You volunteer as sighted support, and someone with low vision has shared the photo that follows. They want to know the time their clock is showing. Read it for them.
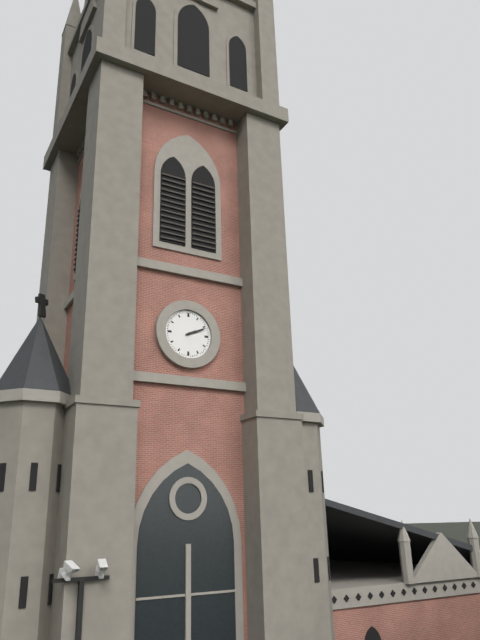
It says 2:11
